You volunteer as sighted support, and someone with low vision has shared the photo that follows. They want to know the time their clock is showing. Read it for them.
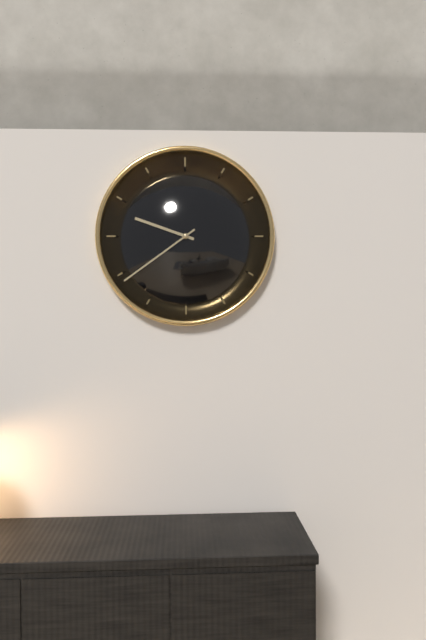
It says 9:39
